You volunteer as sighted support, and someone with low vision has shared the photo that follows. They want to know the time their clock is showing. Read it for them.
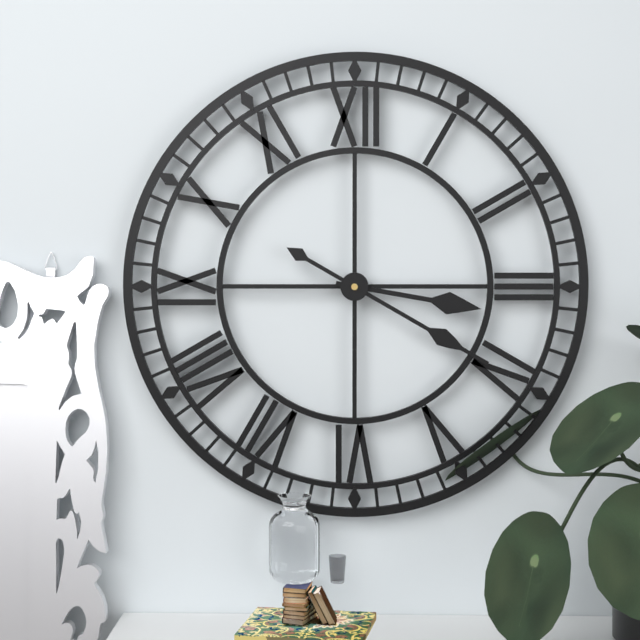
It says 3:20
